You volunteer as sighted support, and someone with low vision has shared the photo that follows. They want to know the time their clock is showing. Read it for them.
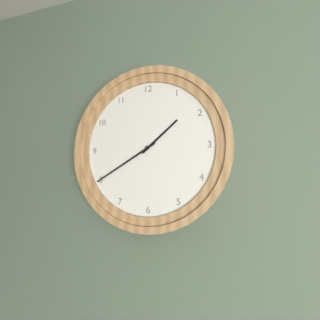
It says 1:40
